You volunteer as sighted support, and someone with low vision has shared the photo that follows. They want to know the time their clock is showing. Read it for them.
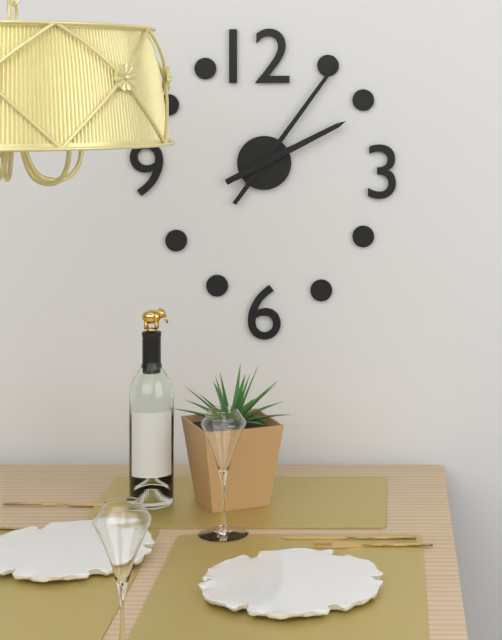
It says 2:06
